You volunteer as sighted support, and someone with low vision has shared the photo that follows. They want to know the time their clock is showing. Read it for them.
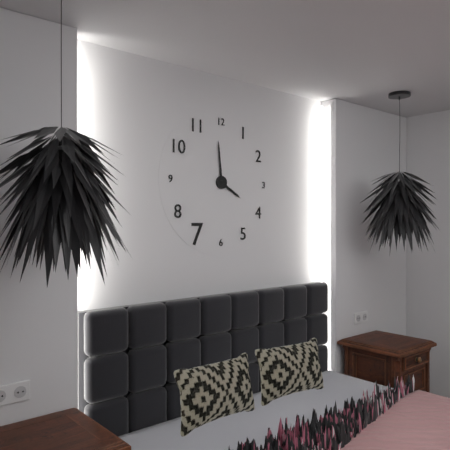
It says 3:59
